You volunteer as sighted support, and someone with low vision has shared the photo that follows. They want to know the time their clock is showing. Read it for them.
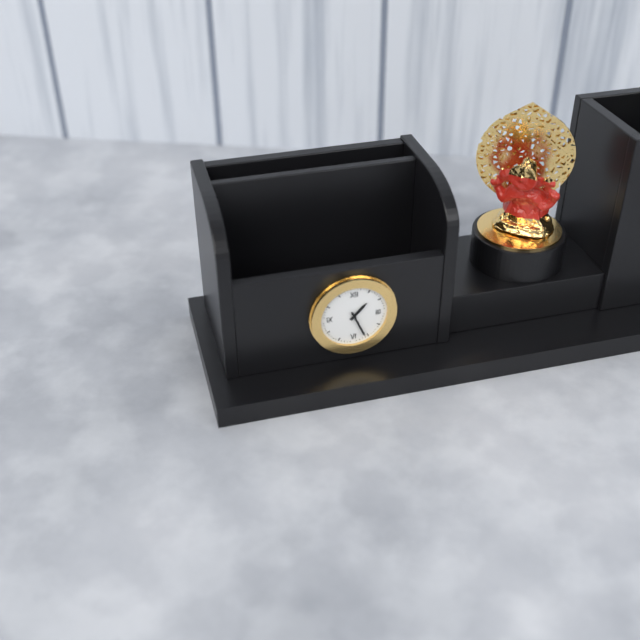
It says 1:26
